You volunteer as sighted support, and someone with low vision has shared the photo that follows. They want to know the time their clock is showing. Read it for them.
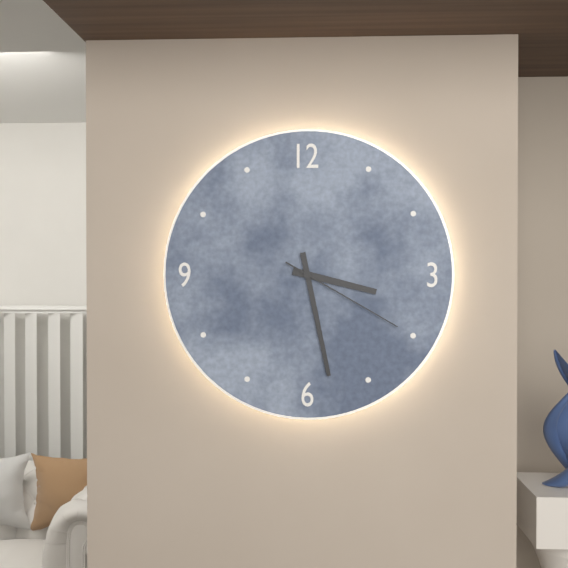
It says 3:28:20
